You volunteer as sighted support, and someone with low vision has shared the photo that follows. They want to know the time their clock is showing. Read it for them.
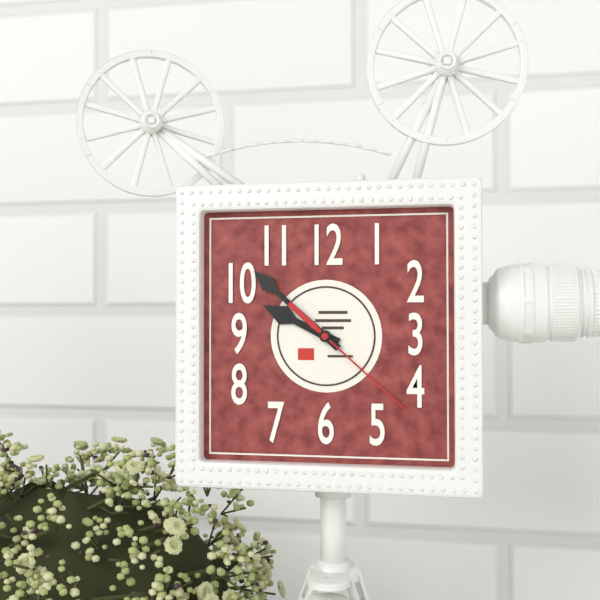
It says 9:52:22
